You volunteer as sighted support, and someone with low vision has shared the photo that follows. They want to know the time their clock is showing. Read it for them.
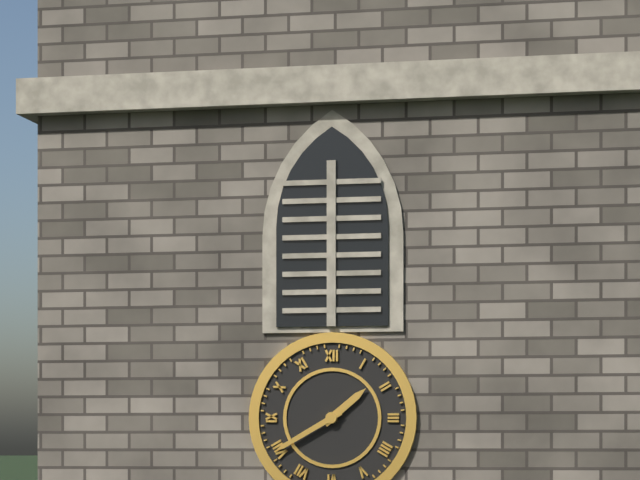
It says 1:40
